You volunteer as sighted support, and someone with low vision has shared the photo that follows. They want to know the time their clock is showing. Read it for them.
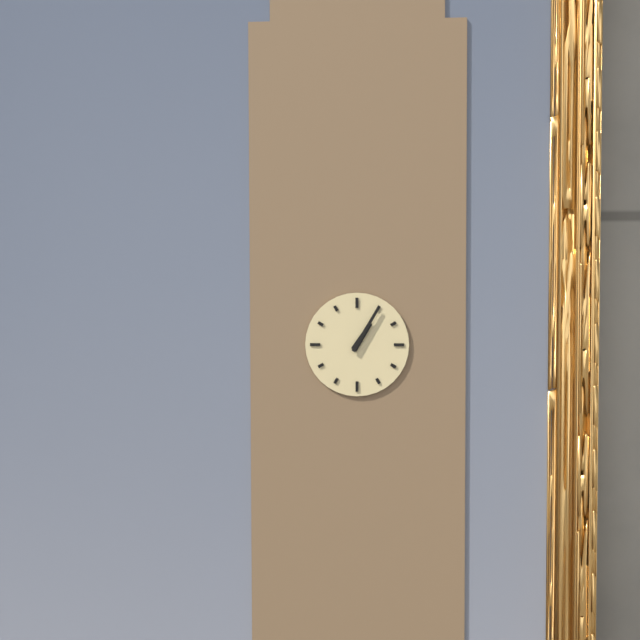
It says 1:05
